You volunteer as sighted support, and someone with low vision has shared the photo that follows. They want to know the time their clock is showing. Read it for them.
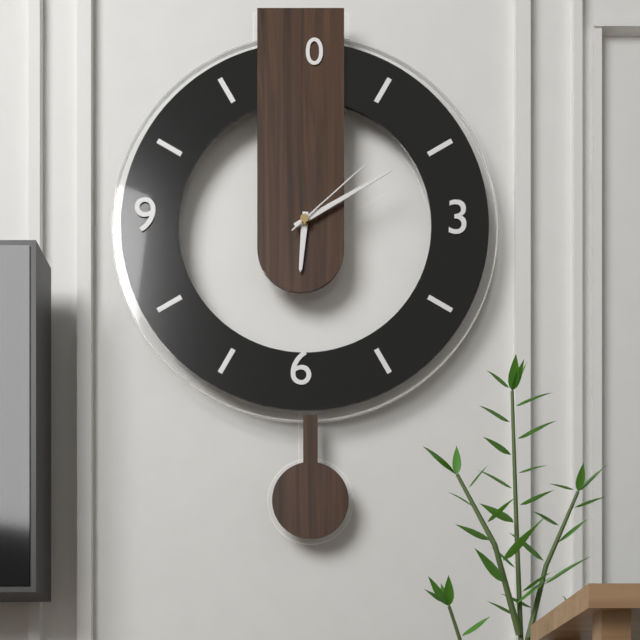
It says 6:10:08
